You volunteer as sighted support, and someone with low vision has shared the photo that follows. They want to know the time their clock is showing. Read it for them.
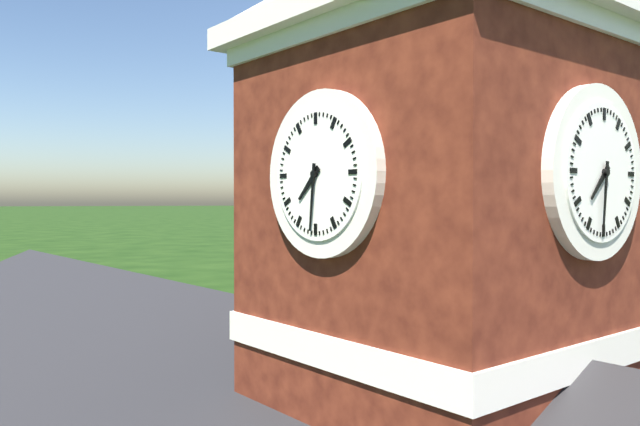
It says 7:31
